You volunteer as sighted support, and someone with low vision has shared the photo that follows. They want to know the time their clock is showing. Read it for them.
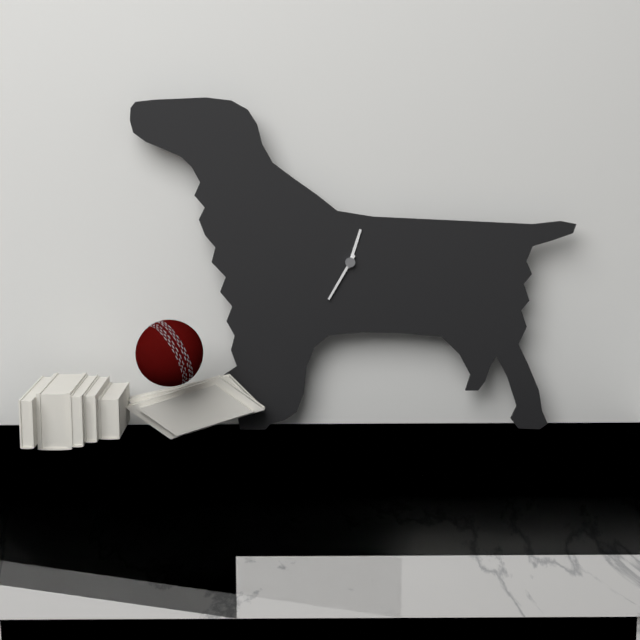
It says 12:35
